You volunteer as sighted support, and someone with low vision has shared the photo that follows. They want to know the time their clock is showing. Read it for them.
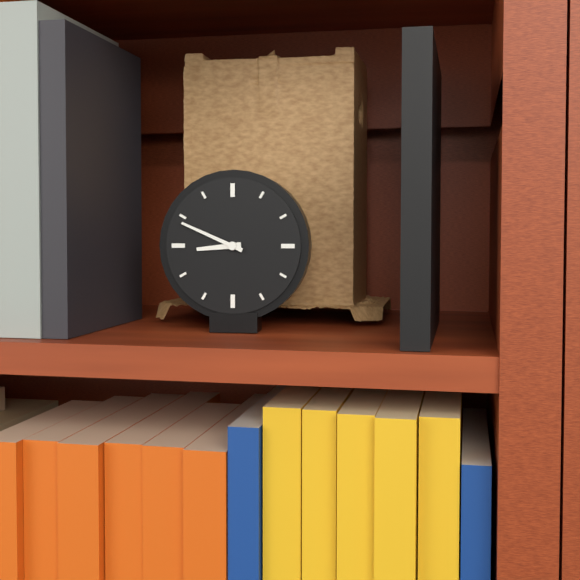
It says 8:49
